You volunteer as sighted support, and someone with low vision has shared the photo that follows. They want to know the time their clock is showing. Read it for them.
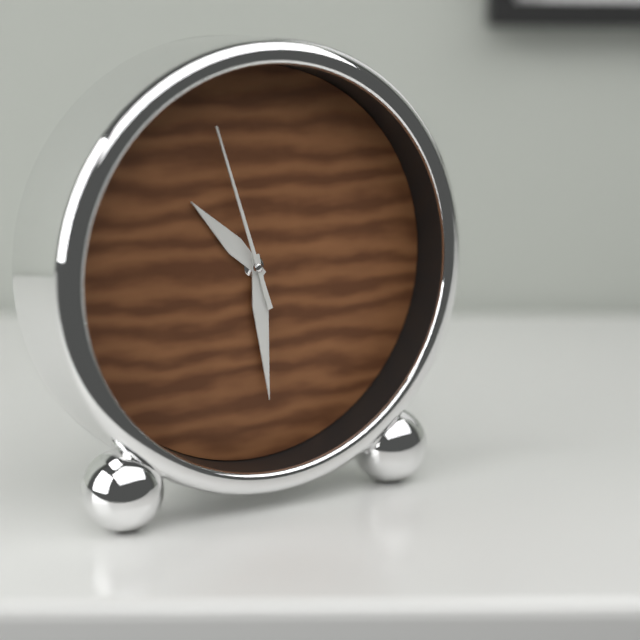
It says 10:29:57
